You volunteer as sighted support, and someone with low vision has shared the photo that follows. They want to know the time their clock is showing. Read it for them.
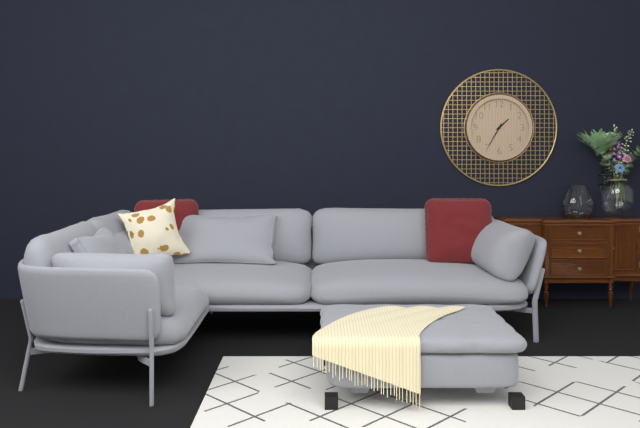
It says 1:35
